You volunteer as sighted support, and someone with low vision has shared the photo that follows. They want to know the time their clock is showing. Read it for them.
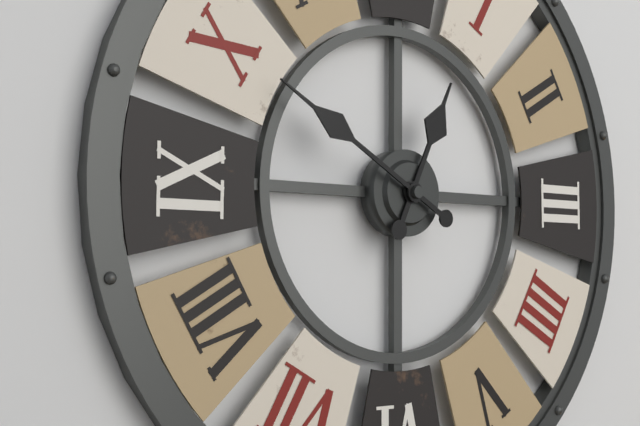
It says 12:50
